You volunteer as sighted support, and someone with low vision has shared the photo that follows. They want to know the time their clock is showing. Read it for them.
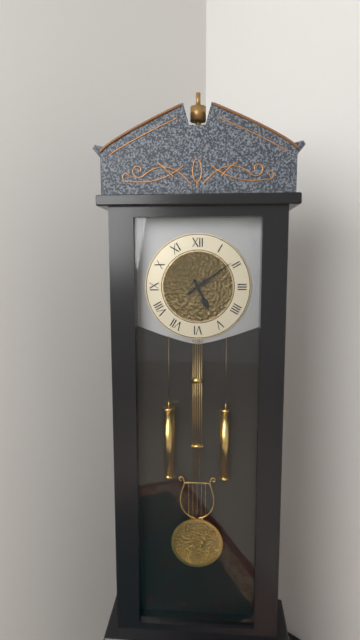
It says 5:09
